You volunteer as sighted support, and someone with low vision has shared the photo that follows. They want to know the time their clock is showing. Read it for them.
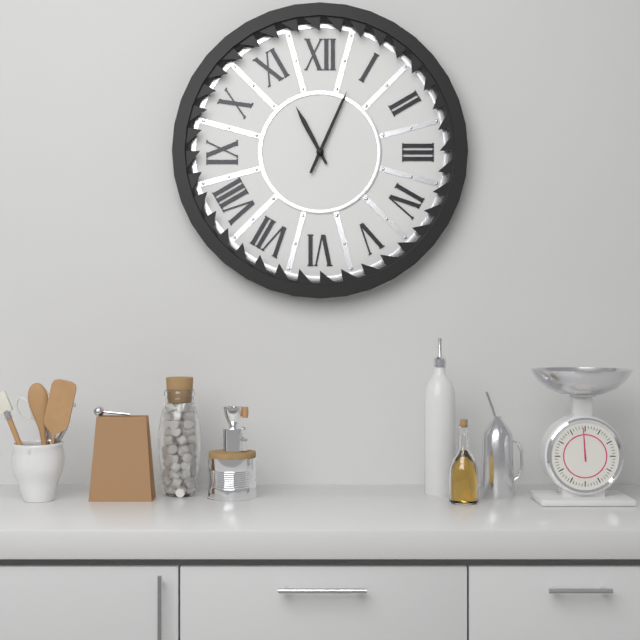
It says 11:04
